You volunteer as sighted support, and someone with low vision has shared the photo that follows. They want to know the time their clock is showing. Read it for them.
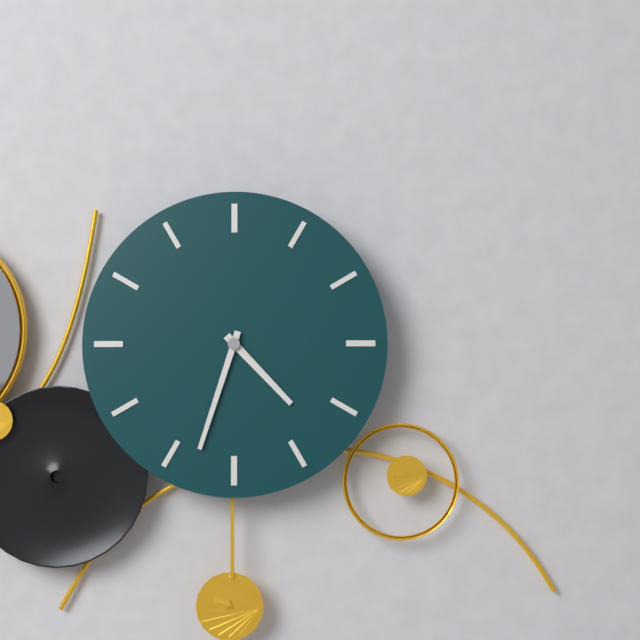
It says 4:33
